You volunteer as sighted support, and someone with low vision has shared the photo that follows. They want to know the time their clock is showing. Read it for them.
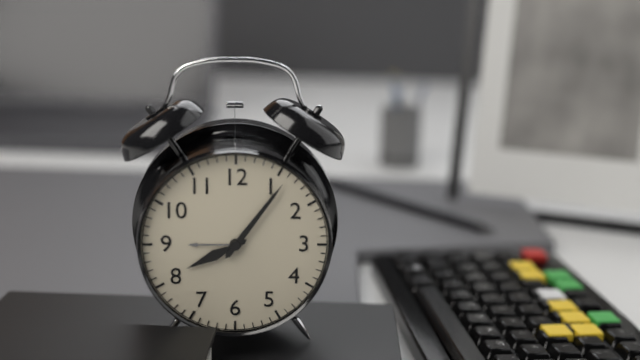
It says 8:06
